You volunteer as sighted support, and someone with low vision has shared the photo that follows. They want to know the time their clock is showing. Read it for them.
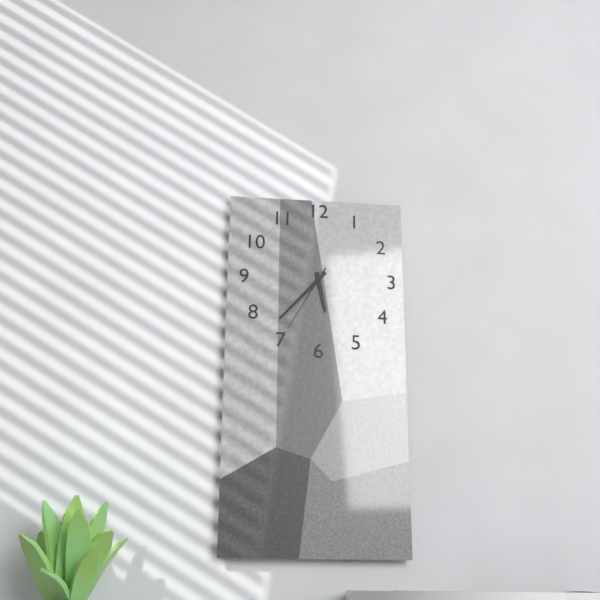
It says 5:37:35
